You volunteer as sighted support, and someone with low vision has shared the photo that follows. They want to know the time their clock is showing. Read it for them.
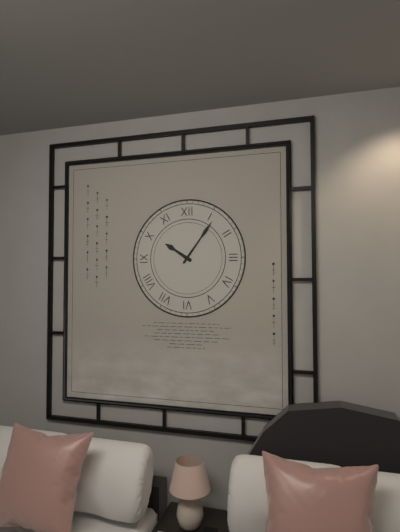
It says 10:06
